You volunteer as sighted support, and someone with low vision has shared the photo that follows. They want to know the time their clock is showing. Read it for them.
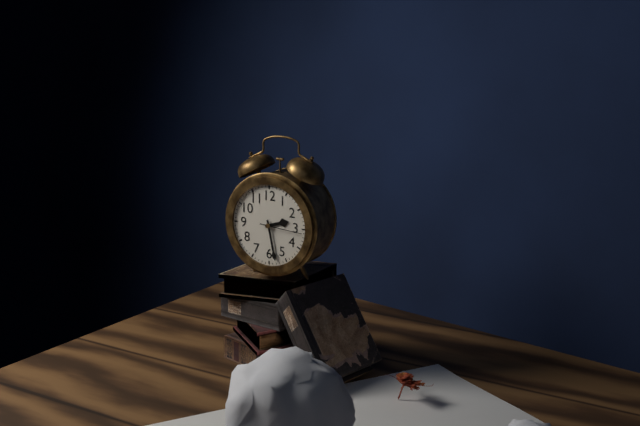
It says 2:28
